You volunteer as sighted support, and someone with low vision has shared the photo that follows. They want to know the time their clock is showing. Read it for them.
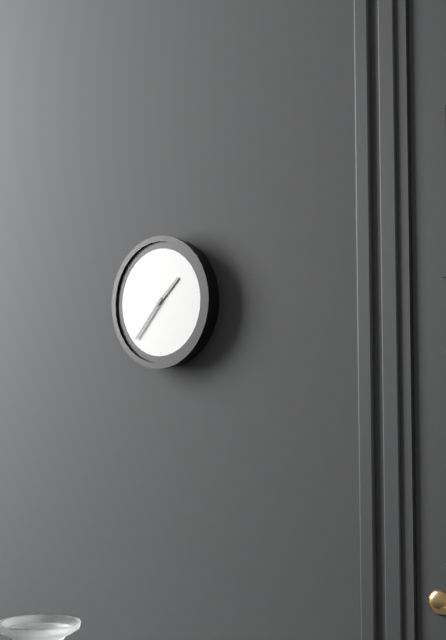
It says 1:37
